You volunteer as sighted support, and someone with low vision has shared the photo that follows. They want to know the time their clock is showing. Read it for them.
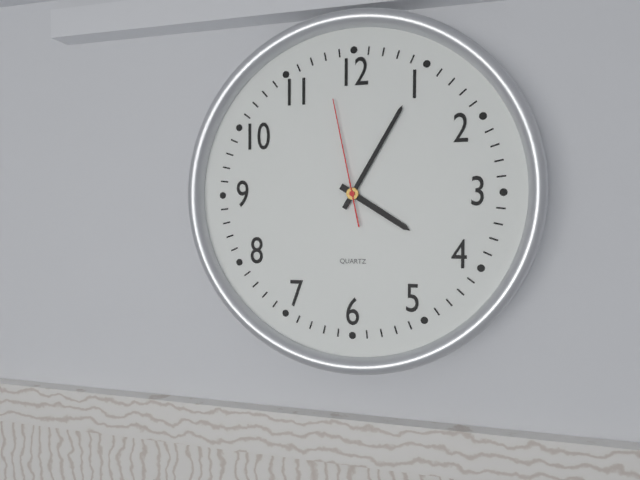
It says 4:05:58
